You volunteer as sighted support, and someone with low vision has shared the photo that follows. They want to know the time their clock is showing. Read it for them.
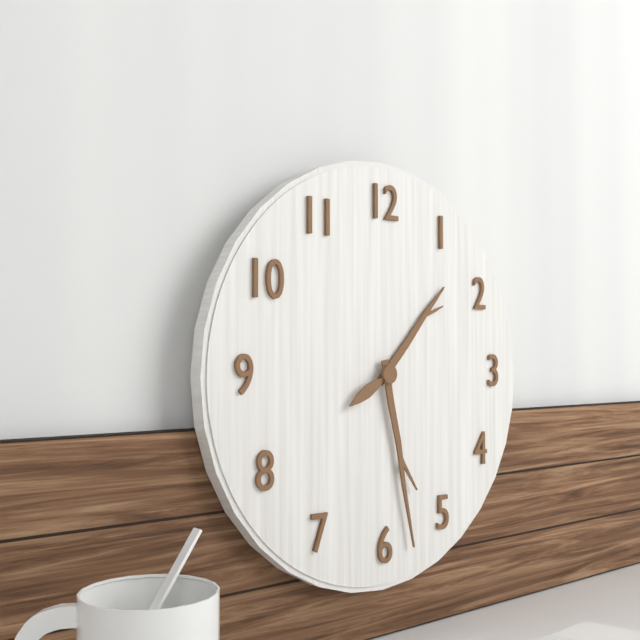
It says 1:28:40
